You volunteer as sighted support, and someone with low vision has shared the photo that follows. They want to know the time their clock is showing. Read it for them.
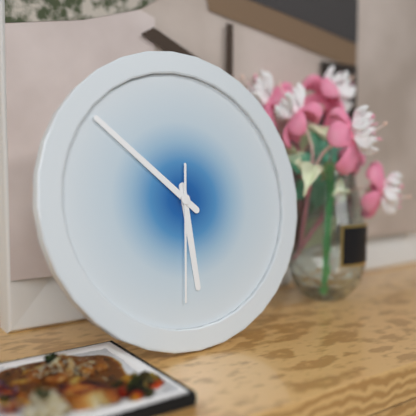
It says 5:52:31
